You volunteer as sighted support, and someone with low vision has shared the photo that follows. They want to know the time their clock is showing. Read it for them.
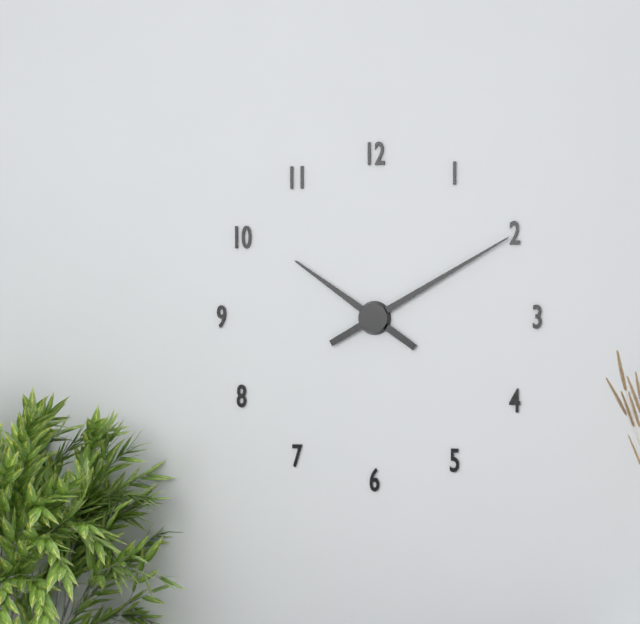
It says 10:10
